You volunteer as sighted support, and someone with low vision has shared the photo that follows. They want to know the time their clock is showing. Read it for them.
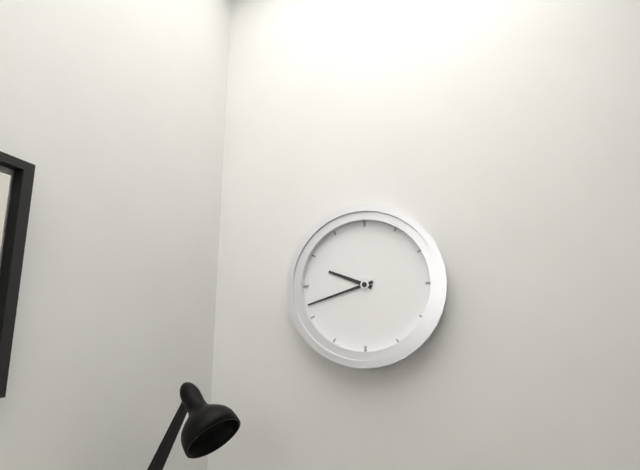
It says 9:42
